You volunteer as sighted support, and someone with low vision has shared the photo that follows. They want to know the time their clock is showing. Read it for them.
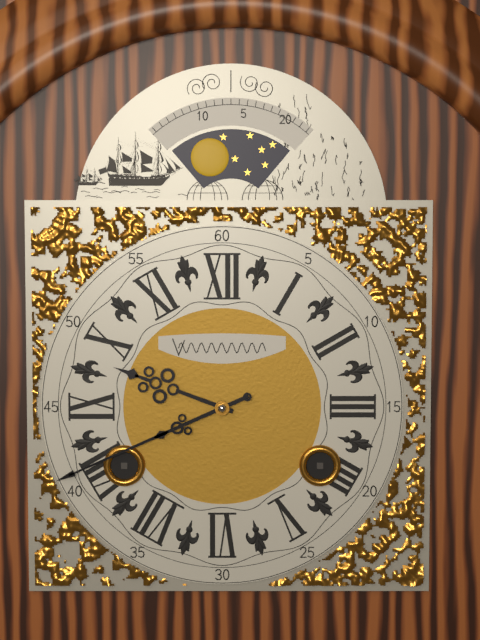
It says 9:41
